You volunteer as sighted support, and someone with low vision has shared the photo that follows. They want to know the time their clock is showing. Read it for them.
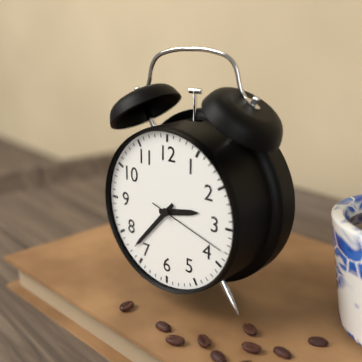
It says 2:37:18
